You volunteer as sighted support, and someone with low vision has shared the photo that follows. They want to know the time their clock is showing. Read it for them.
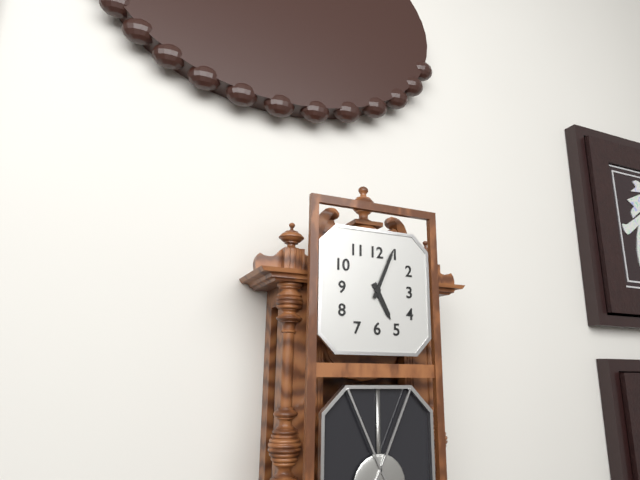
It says 5:04
